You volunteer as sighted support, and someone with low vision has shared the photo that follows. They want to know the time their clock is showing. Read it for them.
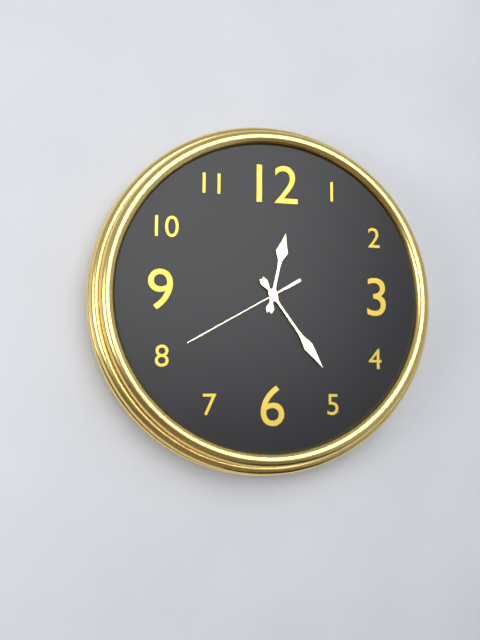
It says 12:24:40
